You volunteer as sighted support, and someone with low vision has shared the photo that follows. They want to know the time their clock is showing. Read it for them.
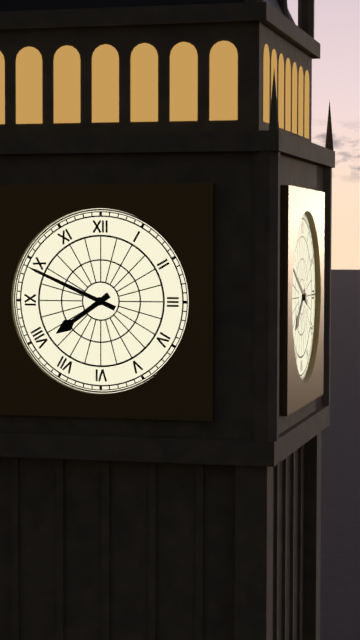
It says 7:49
